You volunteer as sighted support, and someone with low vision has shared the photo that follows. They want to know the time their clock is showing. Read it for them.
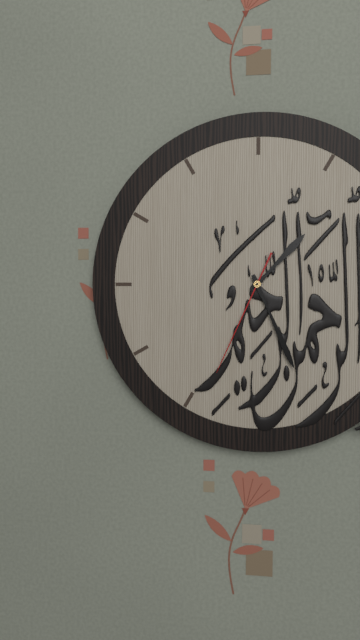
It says 1:26:34
